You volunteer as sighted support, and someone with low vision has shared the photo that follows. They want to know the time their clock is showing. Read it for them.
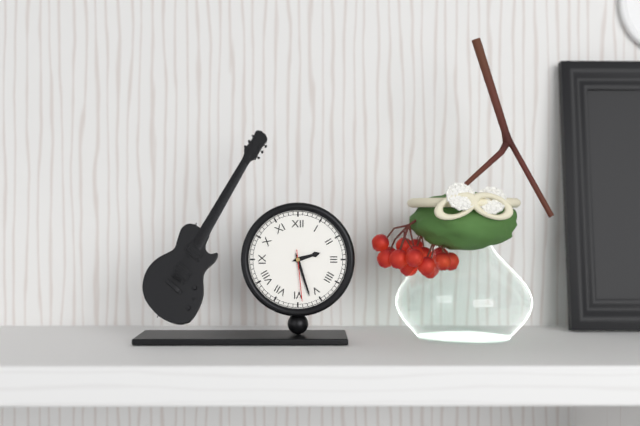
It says 2:27:29
